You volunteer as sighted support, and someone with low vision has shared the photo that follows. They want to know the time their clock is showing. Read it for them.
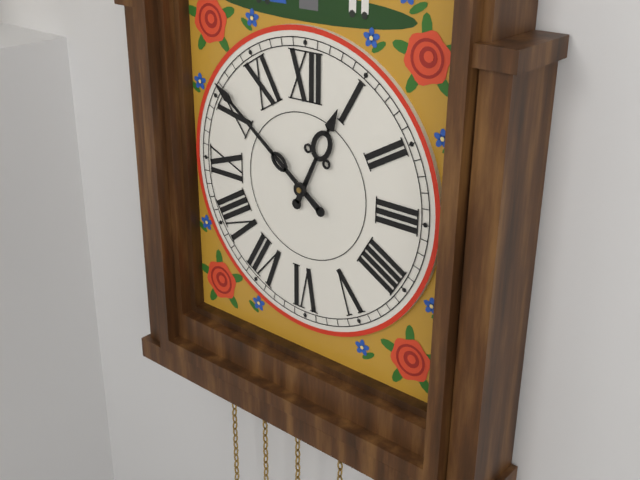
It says 12:51
